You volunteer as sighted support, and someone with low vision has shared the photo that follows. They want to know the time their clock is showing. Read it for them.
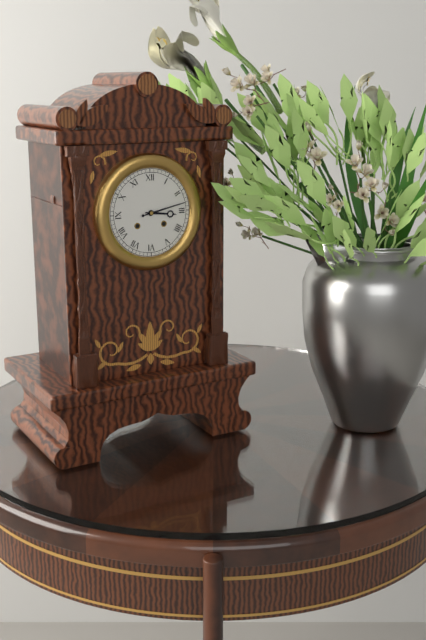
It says 3:13
